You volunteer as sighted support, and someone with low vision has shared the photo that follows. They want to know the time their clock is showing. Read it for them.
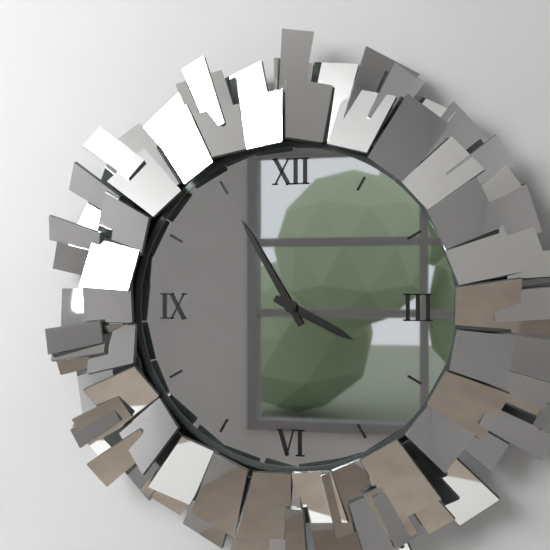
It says 3:55
